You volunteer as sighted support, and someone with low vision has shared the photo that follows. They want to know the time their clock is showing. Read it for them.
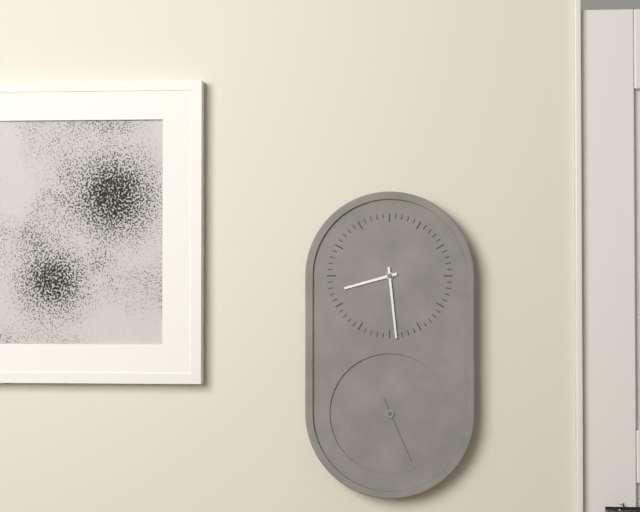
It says 8:29:26
